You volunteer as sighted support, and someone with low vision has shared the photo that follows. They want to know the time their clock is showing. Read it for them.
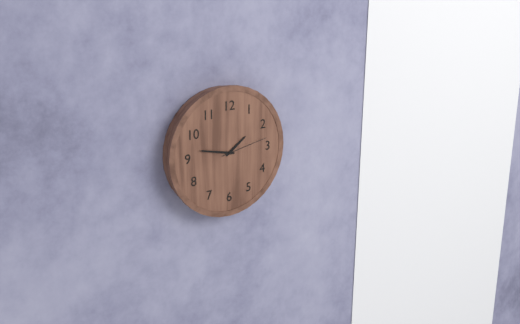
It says 1:47
